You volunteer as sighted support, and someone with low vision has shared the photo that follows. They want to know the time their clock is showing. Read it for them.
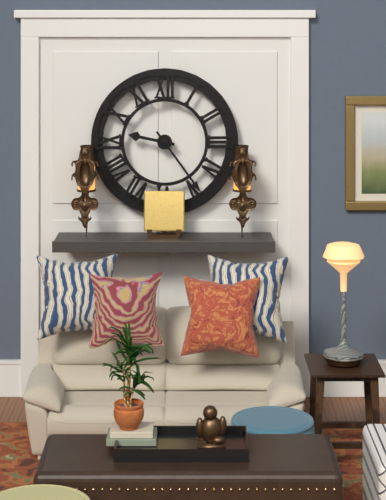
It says 9:24
